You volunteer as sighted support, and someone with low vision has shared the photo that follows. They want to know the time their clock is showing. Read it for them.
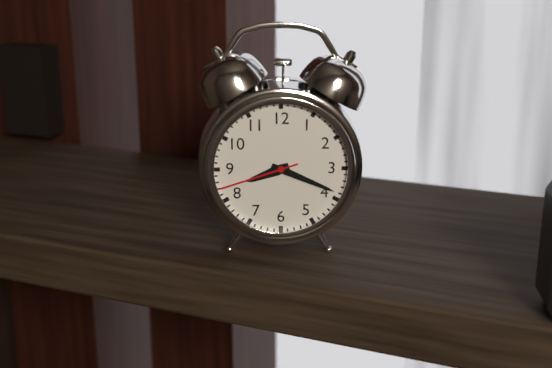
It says 8:19:42
